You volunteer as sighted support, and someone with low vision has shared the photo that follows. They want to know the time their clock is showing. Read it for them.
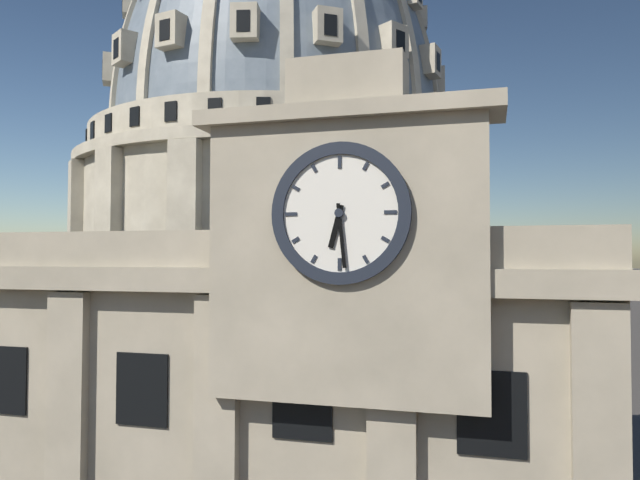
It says 6:29
